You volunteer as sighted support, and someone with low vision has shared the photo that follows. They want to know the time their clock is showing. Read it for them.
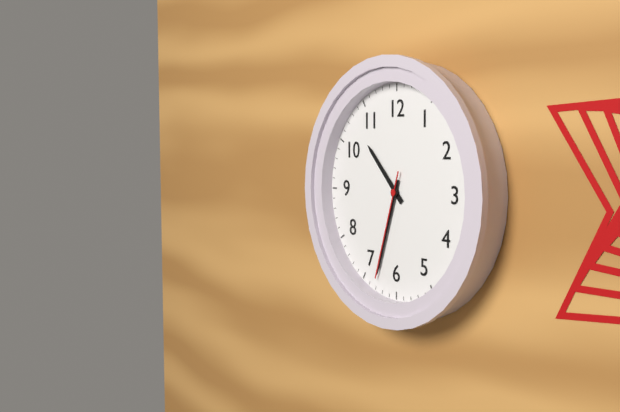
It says 10:33:33
